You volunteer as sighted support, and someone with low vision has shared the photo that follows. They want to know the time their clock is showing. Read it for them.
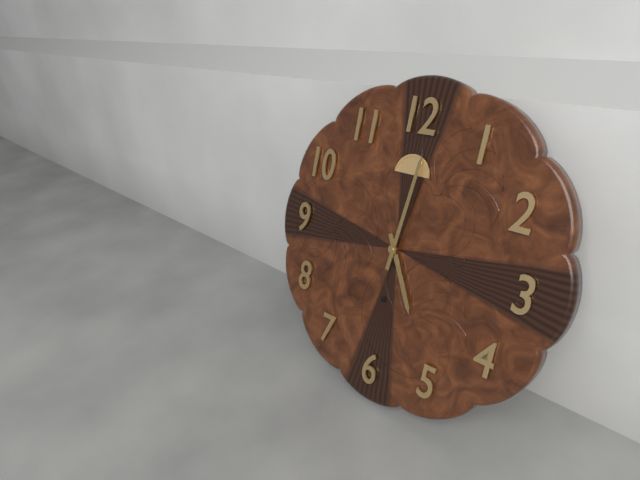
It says 5:01
